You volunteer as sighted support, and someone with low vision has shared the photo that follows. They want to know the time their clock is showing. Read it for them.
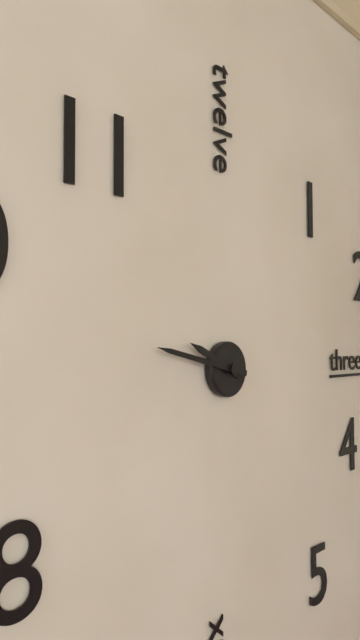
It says 9:47
